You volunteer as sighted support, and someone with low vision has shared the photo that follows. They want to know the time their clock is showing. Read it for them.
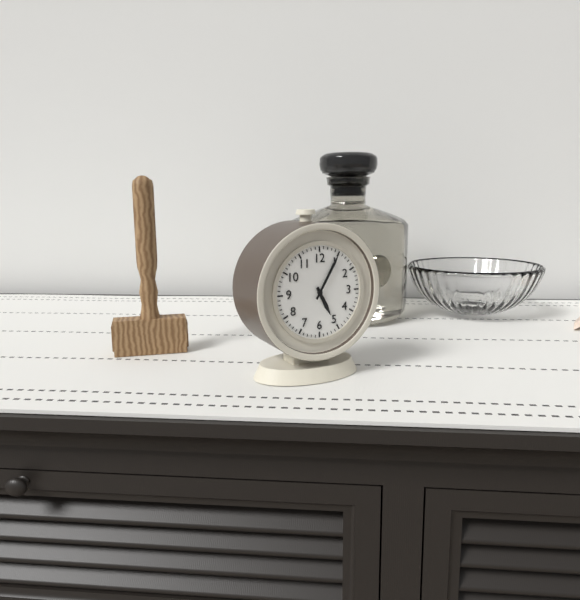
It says 5:05
